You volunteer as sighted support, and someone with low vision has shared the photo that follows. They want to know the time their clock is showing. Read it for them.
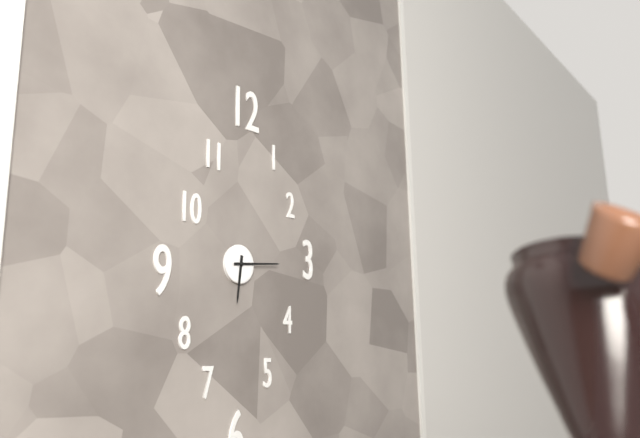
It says 6:14
